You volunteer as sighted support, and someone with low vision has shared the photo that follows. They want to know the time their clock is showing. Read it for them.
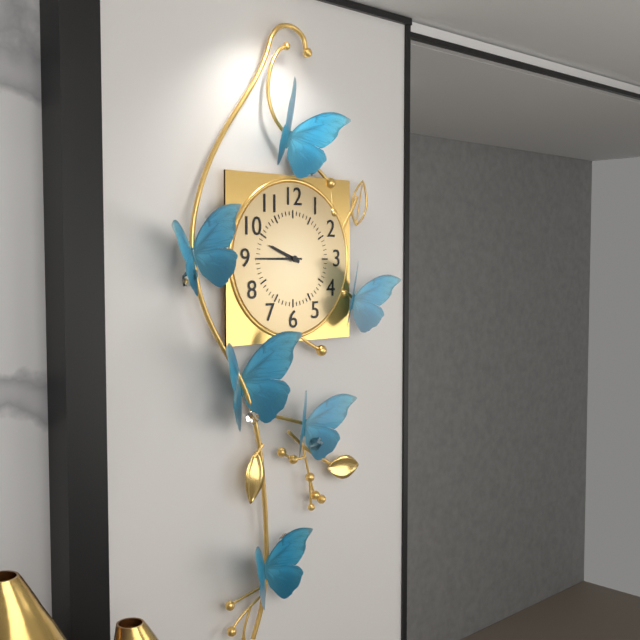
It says 9:45
